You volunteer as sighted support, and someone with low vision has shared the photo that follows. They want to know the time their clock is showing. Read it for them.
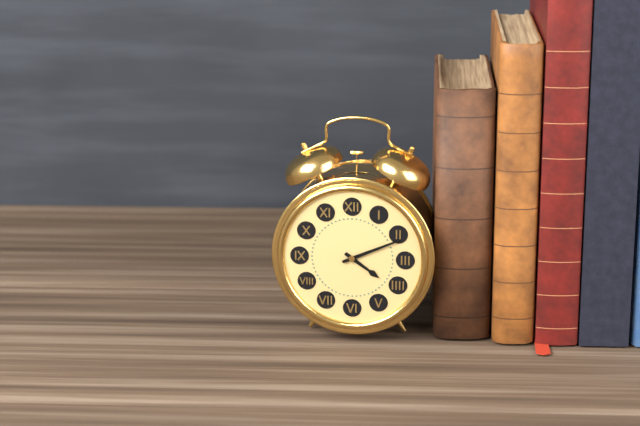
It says 4:11
